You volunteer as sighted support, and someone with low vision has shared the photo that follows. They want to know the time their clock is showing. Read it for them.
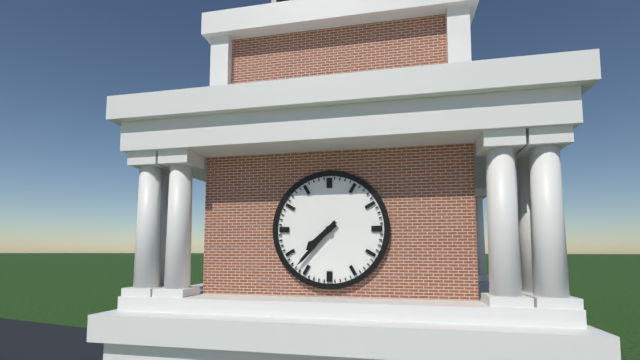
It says 7:37
